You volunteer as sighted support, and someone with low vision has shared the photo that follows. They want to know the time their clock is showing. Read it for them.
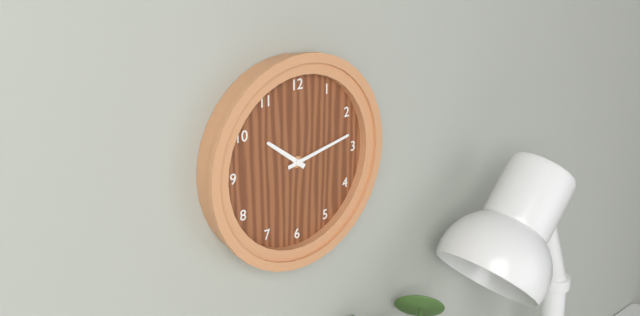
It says 10:13
